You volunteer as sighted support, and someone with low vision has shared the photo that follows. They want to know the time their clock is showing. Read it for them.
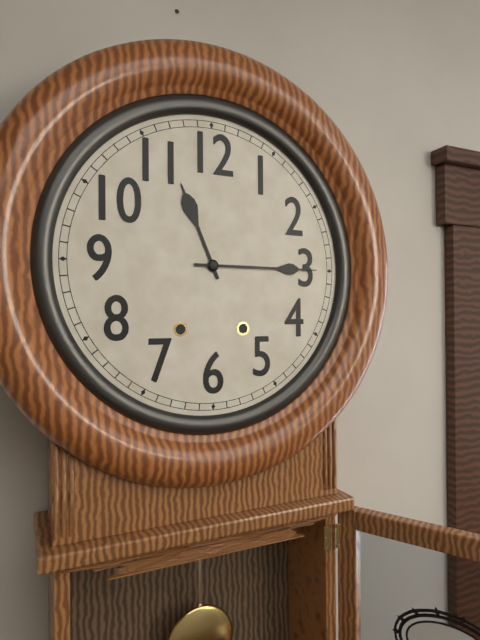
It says 11:15
